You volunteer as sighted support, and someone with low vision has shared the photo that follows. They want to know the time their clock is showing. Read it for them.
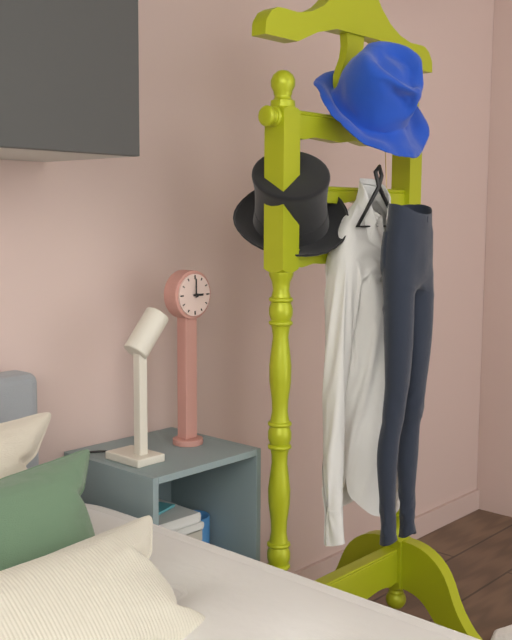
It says 3:00
